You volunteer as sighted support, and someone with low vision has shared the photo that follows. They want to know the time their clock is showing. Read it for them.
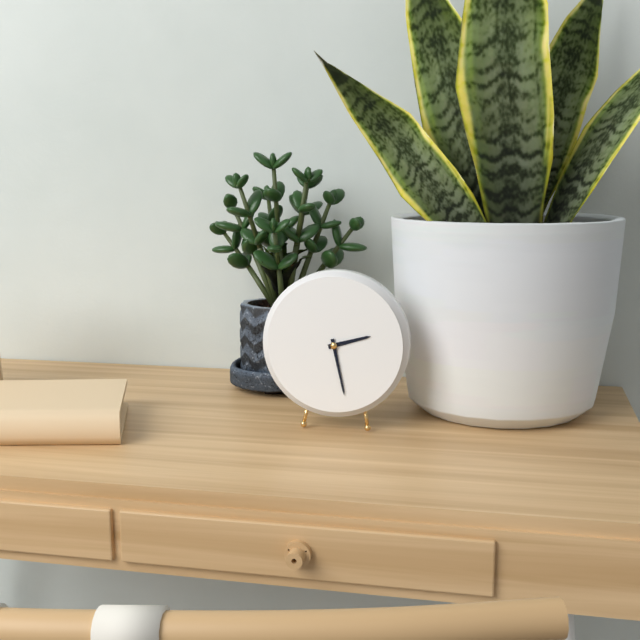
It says 2:28
